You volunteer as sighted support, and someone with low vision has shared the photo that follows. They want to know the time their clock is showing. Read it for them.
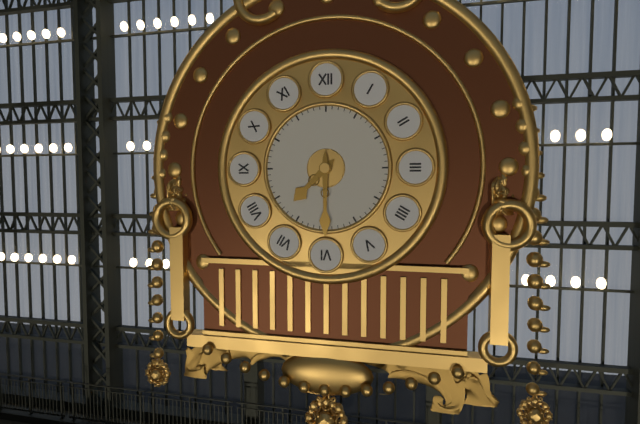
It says 7:30
